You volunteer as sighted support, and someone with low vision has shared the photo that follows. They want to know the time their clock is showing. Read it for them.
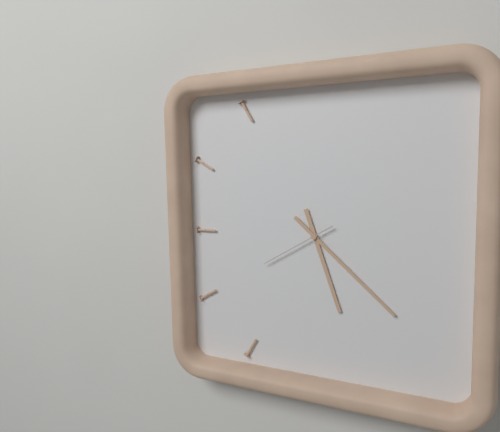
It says 5:22:40
